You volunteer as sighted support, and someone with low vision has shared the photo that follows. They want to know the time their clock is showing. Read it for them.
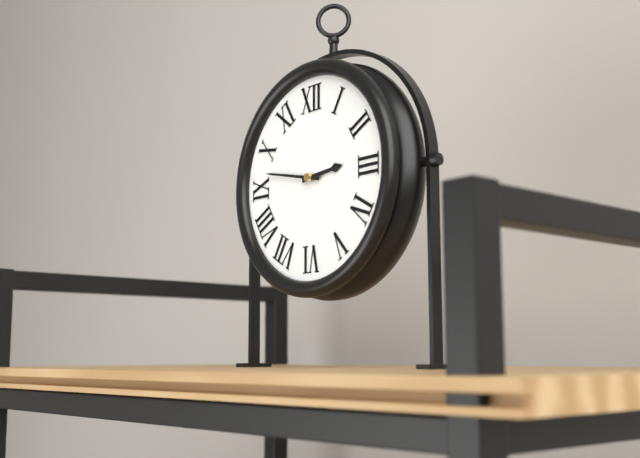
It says 2:47
